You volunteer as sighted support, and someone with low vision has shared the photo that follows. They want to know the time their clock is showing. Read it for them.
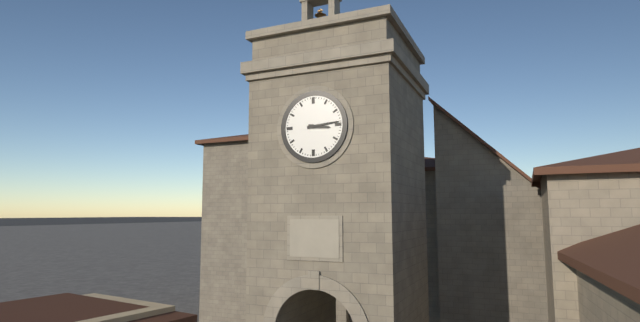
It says 3:14
